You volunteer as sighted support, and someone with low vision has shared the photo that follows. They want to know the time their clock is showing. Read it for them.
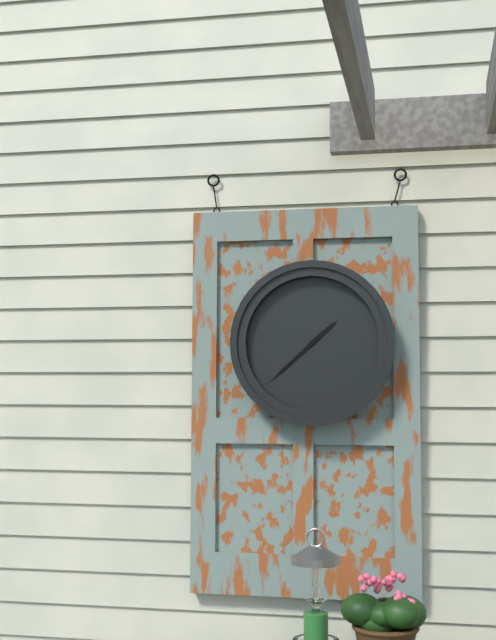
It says 1:38
